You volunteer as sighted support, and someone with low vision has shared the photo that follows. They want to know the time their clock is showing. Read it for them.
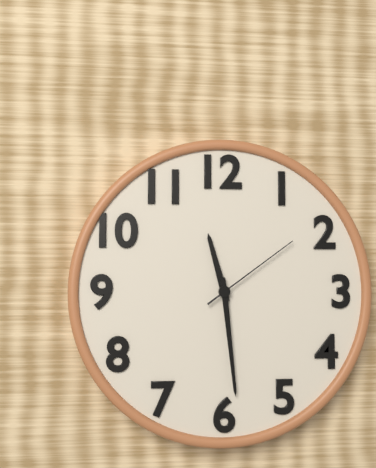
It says 11:29:09
